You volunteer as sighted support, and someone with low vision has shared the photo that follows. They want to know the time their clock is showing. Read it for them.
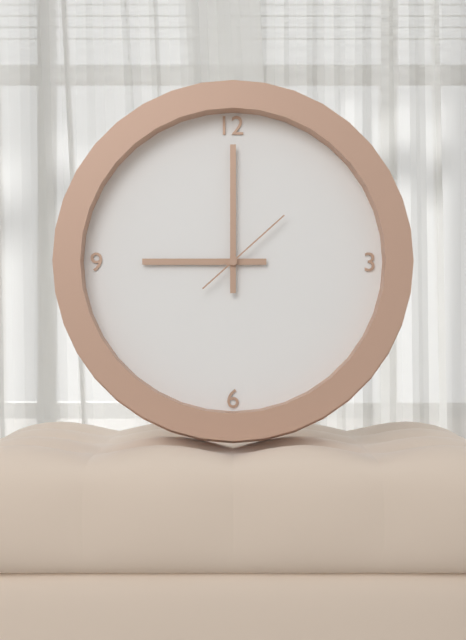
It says 9:00:08
